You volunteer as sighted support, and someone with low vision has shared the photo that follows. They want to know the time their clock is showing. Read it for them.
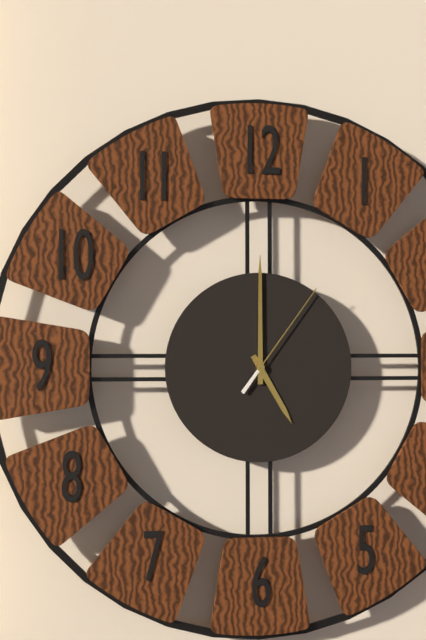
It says 5:00:06
